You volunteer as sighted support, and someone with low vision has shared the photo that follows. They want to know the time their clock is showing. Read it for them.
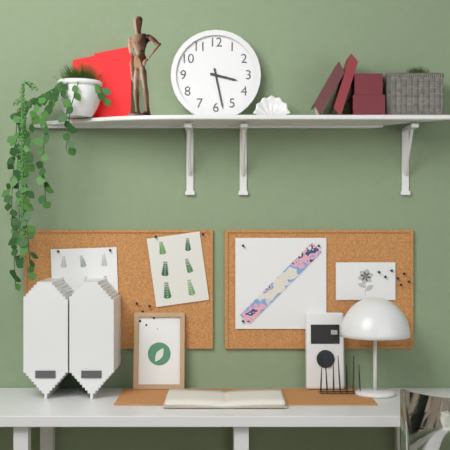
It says 3:28
